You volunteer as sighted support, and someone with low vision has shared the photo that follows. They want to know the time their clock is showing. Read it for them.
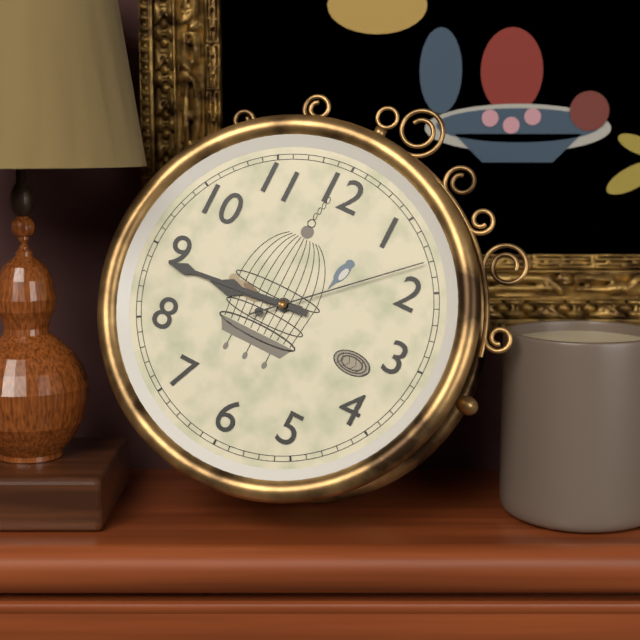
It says 8:44:08
